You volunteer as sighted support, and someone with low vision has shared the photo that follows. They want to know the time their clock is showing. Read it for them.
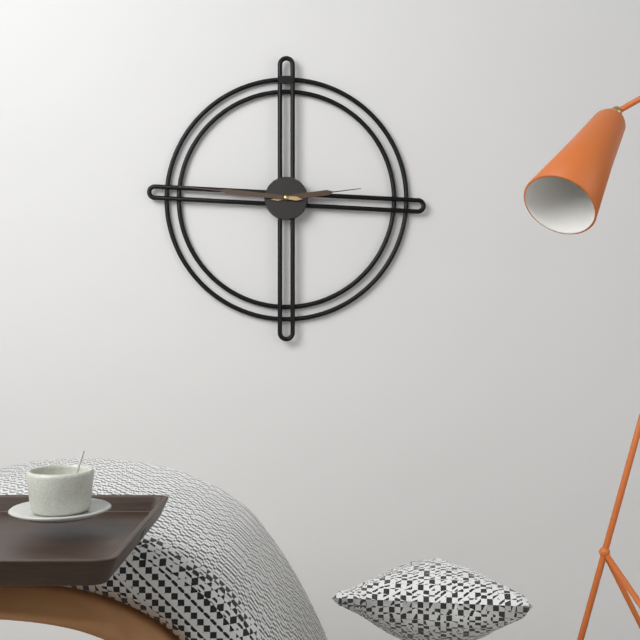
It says 2:46
